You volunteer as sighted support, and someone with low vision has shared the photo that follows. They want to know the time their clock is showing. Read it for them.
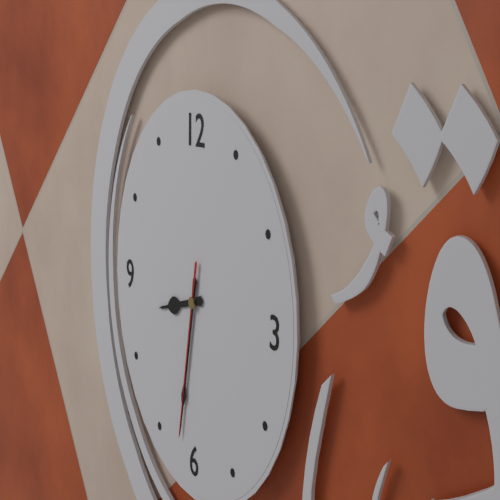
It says 8:32:32
